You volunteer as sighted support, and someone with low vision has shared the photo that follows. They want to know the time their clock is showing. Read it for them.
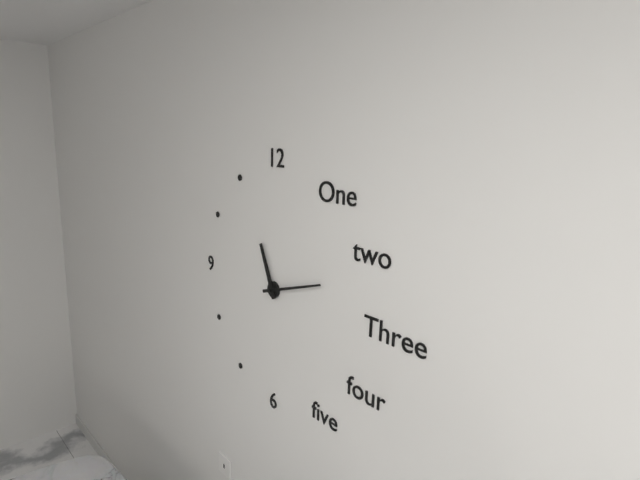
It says 11:12
